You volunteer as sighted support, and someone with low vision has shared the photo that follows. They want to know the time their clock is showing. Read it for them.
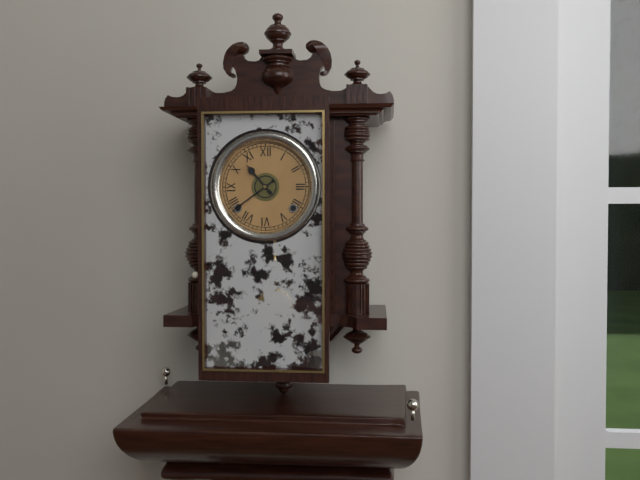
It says 10:39
